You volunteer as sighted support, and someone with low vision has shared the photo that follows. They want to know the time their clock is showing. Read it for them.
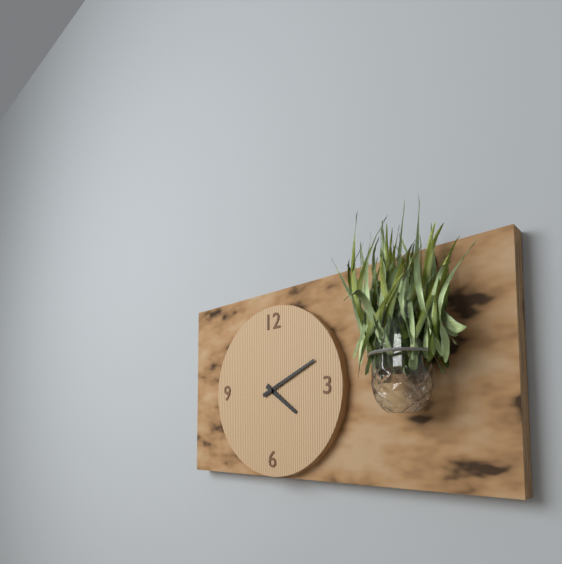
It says 4:11
